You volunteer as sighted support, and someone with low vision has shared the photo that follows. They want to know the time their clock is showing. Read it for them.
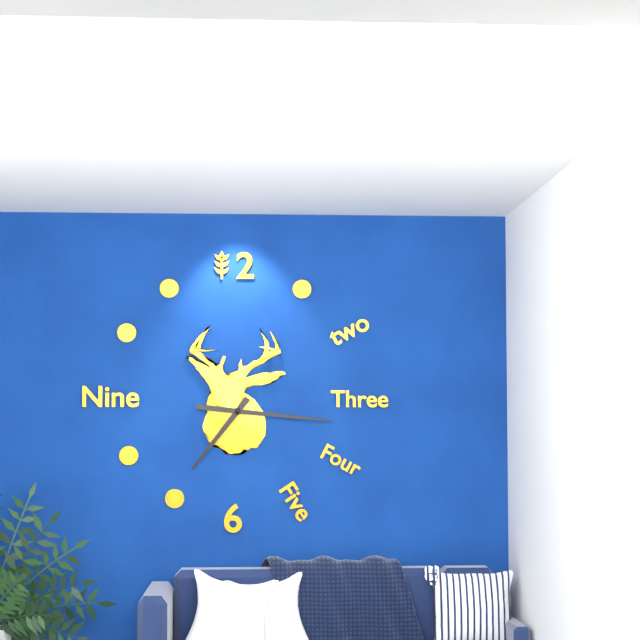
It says 7:16
